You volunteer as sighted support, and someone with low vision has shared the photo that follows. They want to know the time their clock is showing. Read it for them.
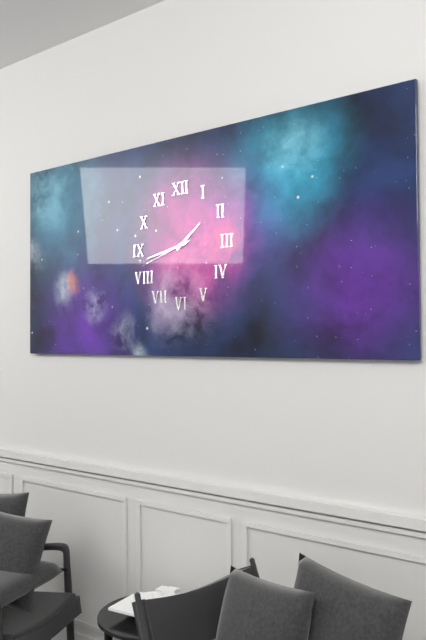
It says 1:43:42
